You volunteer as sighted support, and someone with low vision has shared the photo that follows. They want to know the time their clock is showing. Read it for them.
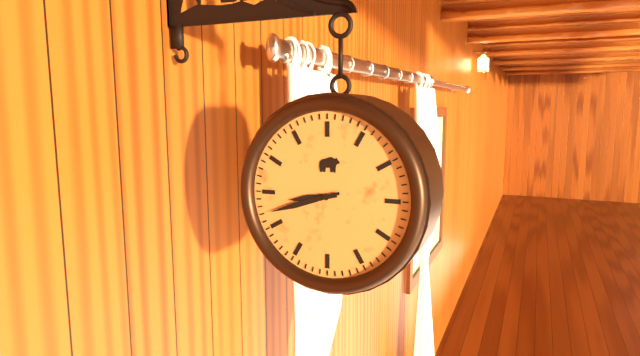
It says 8:42
